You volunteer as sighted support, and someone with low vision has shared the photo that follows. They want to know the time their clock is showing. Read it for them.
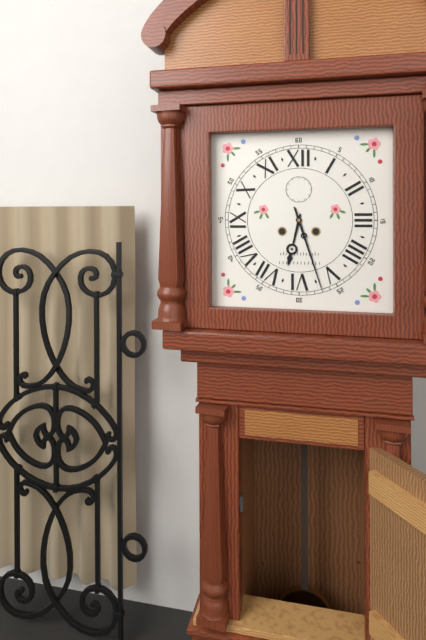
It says 6:27
